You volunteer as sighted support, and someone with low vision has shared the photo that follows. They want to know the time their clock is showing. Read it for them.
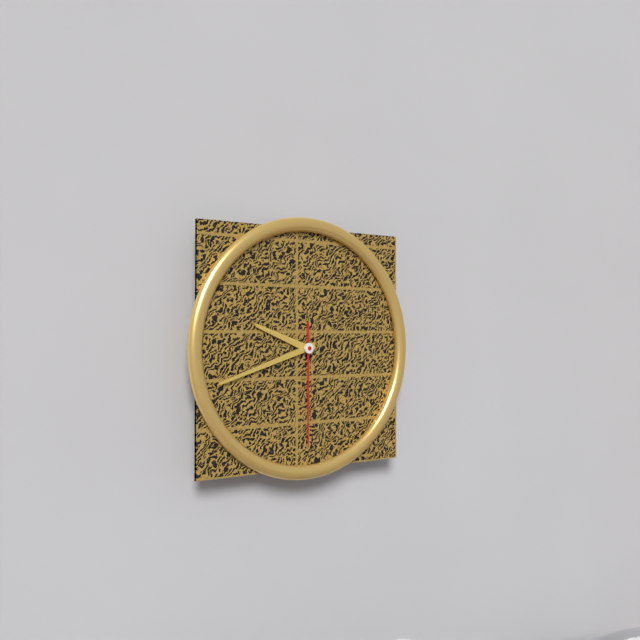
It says 9:42:30
